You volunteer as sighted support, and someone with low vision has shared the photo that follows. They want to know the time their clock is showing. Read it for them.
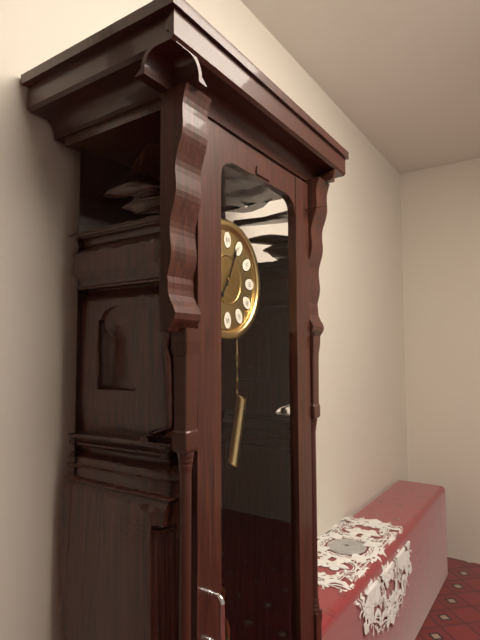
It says 7:04
